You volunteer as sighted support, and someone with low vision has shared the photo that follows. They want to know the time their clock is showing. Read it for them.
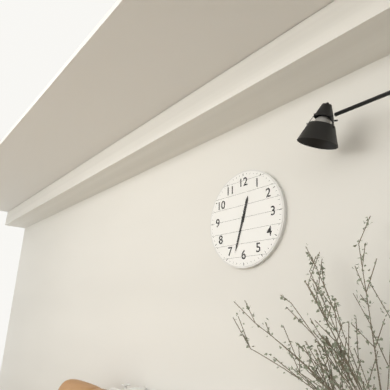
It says 12:33
